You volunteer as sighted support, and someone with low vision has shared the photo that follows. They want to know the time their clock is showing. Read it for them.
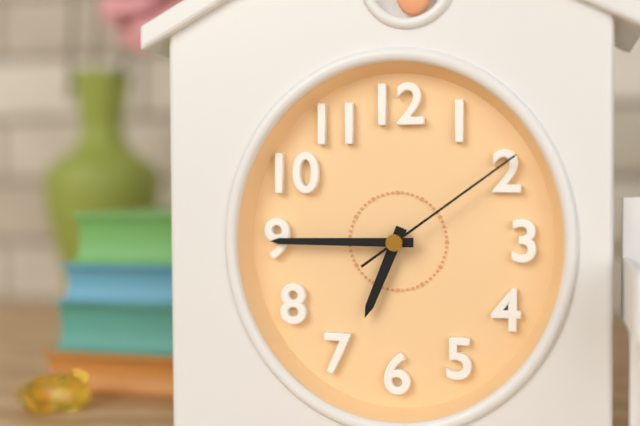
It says 6:45:09
